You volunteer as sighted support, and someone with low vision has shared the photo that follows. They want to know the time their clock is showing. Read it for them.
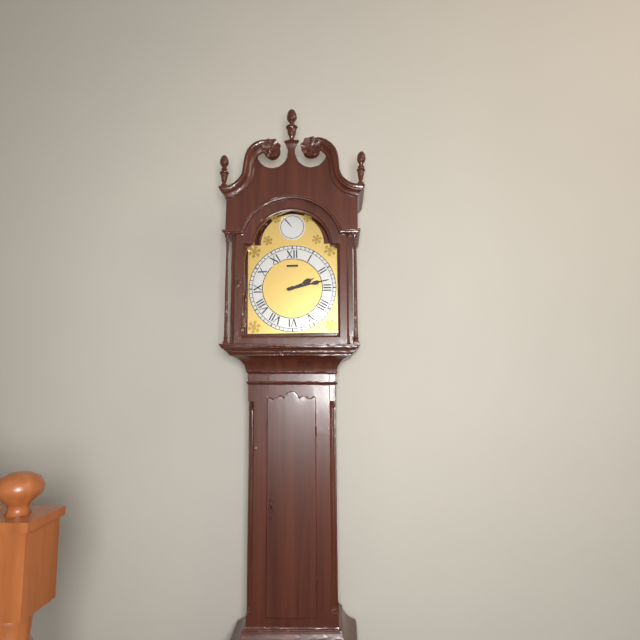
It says 2:13
